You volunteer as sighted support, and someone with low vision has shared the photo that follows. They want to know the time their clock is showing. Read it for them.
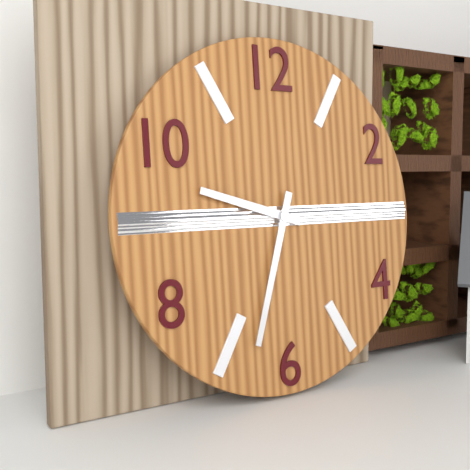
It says 9:33
